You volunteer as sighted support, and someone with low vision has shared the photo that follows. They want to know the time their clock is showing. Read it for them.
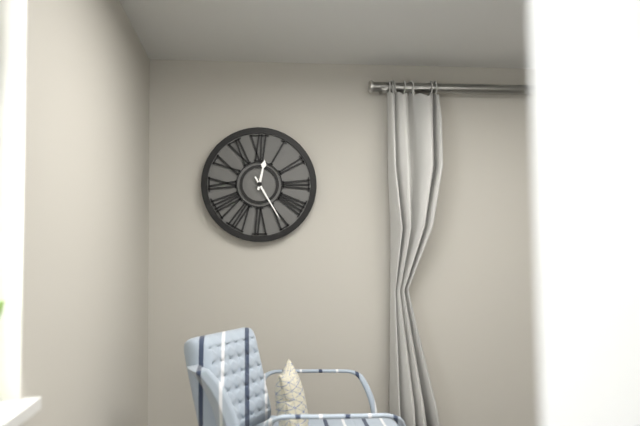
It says 12:25
